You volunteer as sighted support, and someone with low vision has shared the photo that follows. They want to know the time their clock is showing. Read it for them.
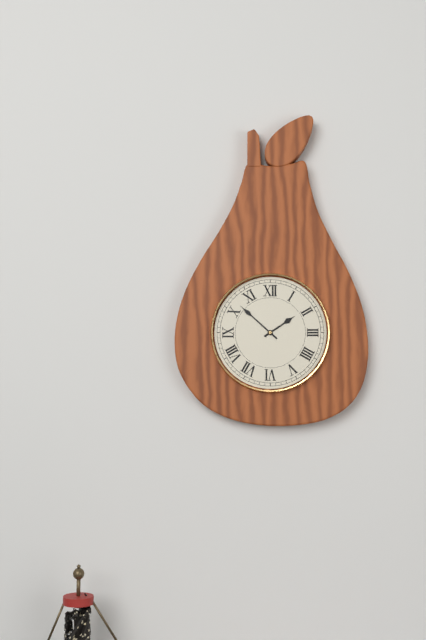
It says 1:52
